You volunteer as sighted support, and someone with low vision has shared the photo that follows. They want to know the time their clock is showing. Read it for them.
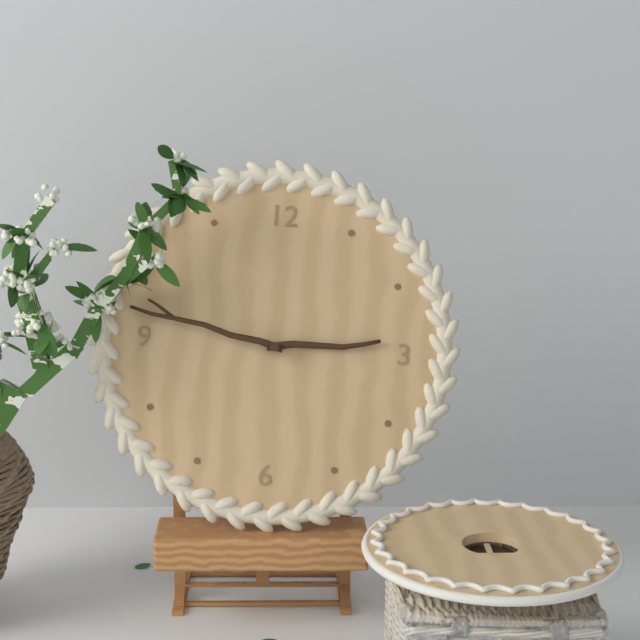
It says 2:47
